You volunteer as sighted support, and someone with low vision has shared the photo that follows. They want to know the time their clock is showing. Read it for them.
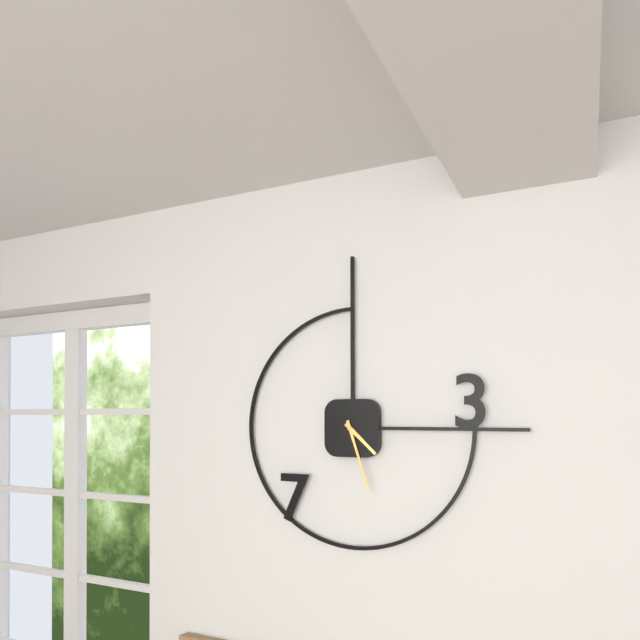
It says 4:27
